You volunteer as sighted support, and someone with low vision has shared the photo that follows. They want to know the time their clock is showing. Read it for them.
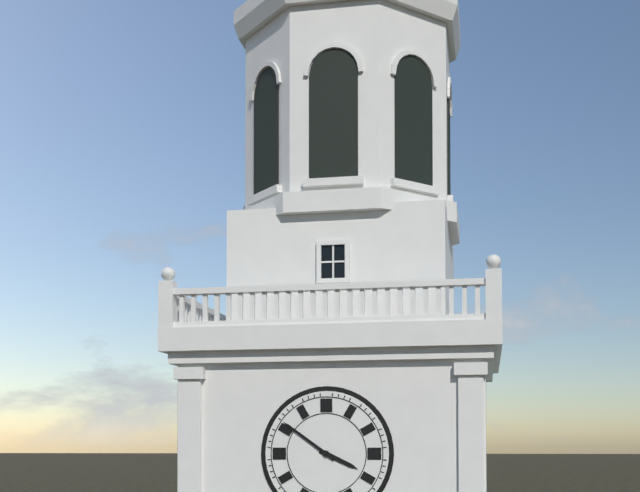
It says 3:51
